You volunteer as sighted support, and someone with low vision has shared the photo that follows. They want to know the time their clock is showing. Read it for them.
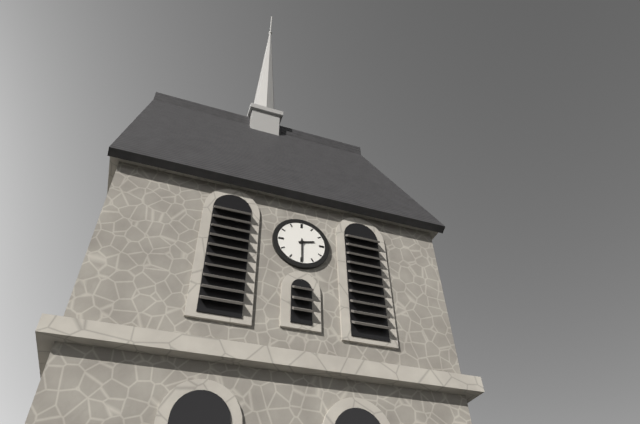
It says 2:30
